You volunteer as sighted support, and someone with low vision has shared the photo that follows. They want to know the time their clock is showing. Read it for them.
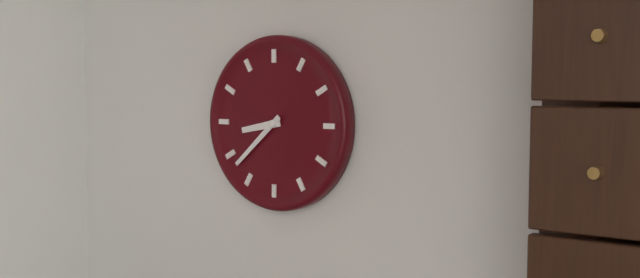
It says 8:38
